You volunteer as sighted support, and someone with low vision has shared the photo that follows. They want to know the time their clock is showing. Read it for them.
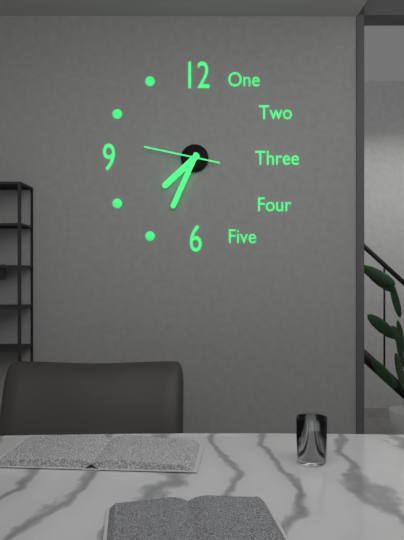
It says 7:34:47
